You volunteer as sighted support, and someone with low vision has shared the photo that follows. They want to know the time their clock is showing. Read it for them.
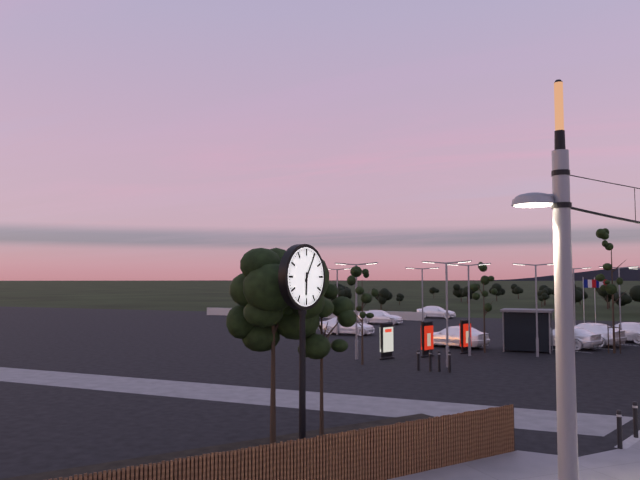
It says 6:05
